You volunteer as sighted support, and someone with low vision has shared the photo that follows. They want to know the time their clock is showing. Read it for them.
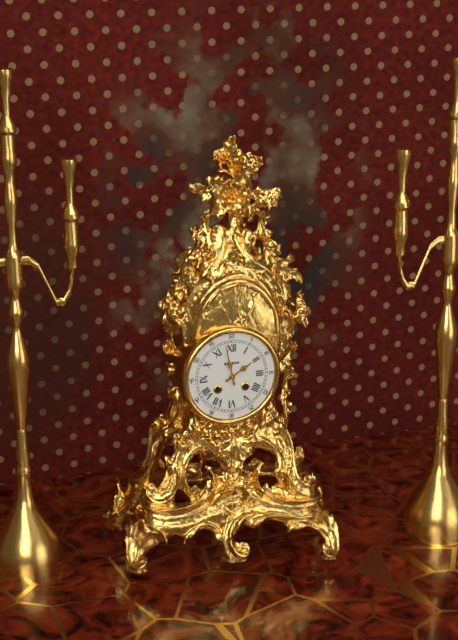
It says 1:58
